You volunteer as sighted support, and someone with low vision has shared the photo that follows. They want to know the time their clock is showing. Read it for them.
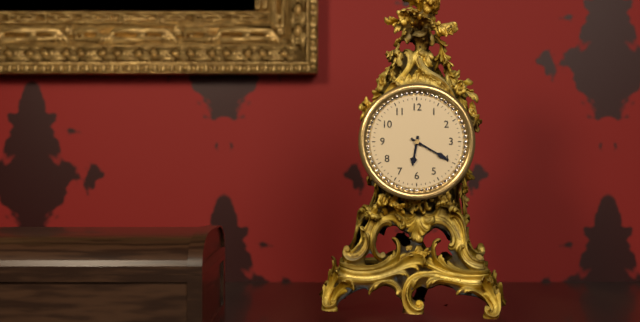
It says 6:20
